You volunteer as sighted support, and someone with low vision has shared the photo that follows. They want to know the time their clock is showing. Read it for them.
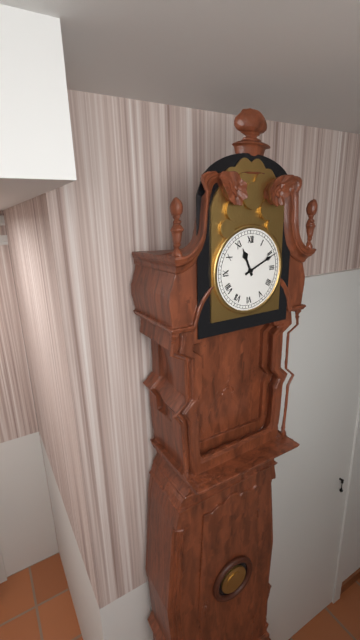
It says 11:11
